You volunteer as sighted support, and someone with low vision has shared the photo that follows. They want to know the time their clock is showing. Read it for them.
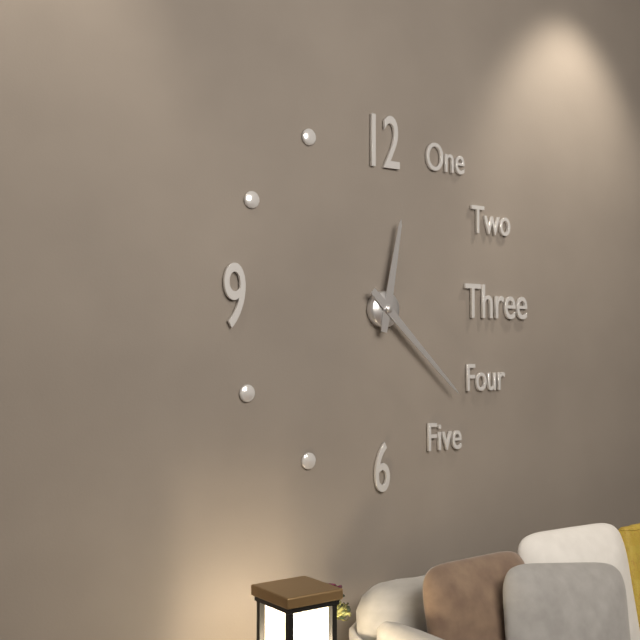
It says 12:22
